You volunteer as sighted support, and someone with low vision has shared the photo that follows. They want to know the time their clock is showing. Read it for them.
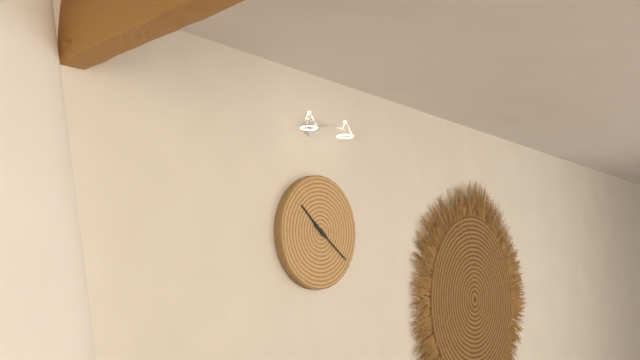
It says 10:21
